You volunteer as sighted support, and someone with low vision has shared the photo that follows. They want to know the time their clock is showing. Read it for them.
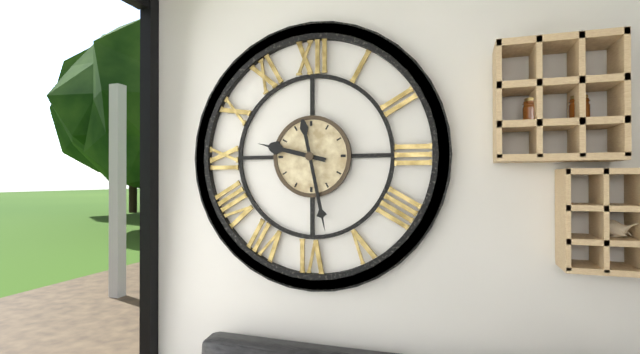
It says 9:28
